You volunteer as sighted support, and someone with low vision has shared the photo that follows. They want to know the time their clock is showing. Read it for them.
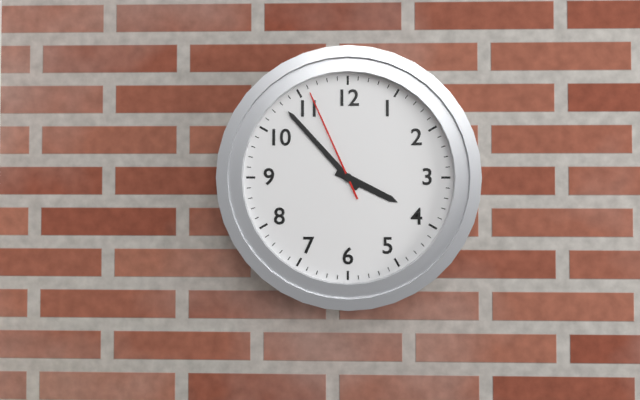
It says 3:53:56
